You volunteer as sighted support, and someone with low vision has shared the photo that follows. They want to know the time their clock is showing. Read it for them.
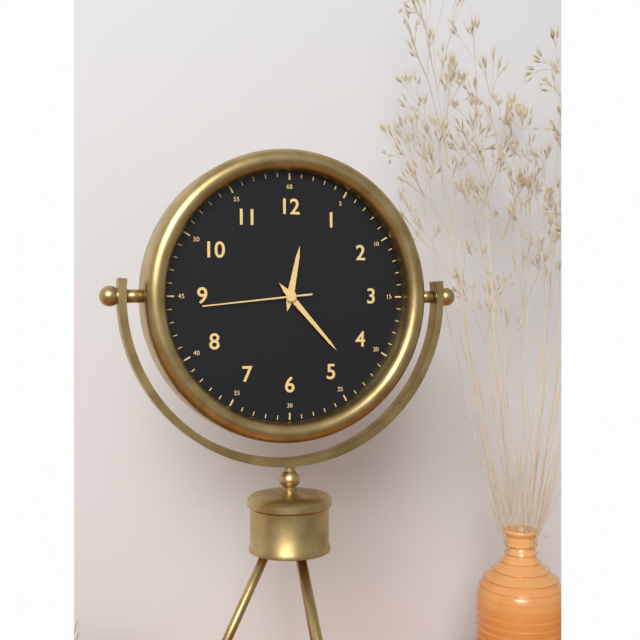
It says 12:23:44
